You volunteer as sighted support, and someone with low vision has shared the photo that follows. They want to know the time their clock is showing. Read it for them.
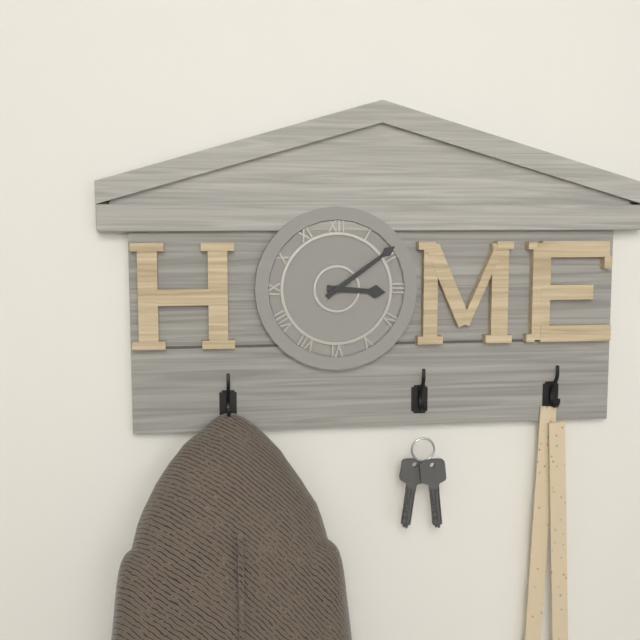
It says 3:09
